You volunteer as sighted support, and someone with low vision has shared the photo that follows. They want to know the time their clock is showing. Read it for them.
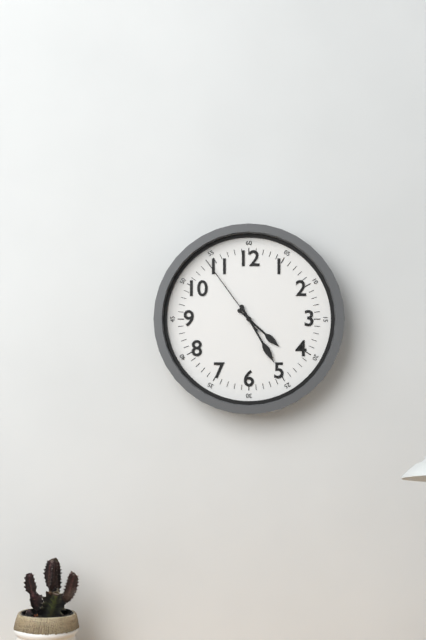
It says 4:25:54
